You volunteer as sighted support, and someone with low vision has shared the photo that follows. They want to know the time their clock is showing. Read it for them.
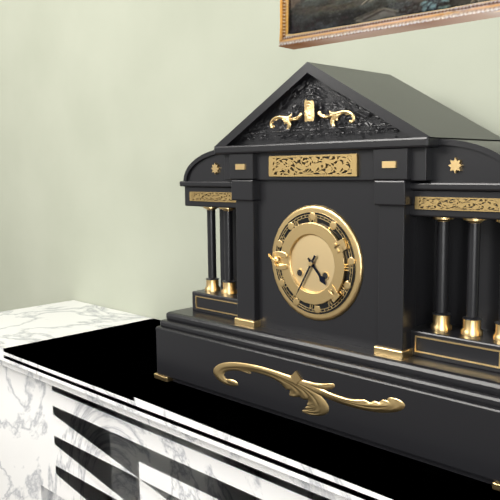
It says 4:35
